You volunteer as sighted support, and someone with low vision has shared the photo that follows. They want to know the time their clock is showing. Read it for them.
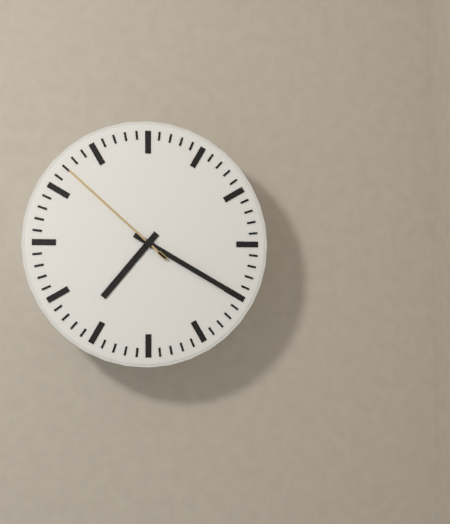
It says 7:20:52
